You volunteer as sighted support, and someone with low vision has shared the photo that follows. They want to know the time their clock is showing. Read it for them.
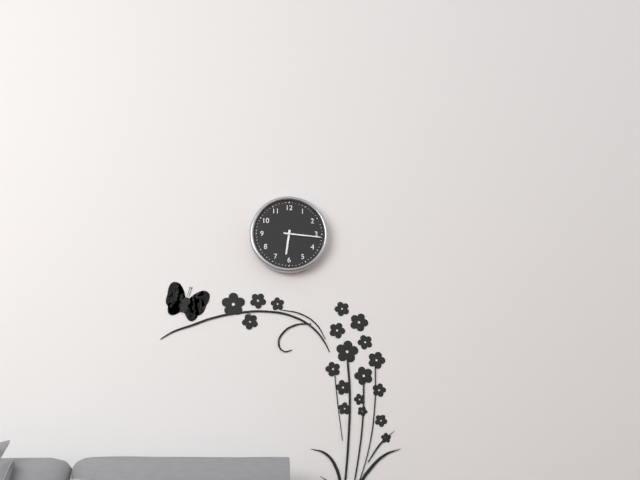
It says 6:16
